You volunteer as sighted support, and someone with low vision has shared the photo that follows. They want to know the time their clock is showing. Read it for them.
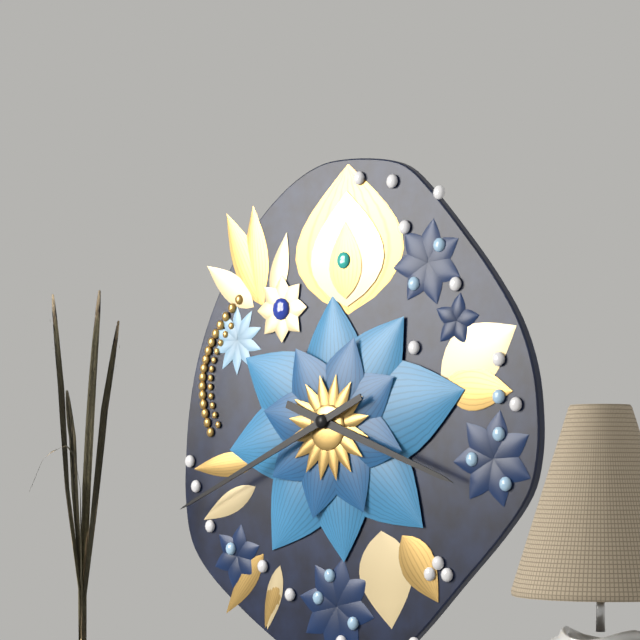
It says 3:41
